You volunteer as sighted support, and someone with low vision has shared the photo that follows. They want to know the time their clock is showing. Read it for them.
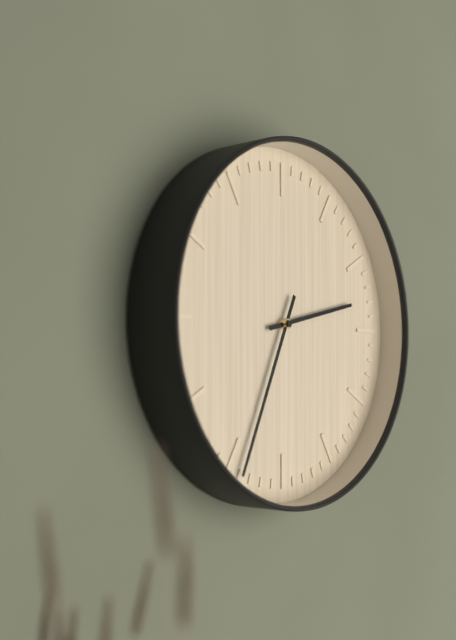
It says 2:34
